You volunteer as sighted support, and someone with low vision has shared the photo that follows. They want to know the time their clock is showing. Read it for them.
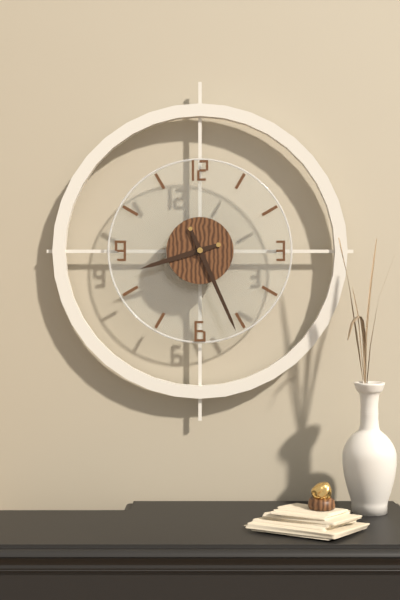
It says 8:26
